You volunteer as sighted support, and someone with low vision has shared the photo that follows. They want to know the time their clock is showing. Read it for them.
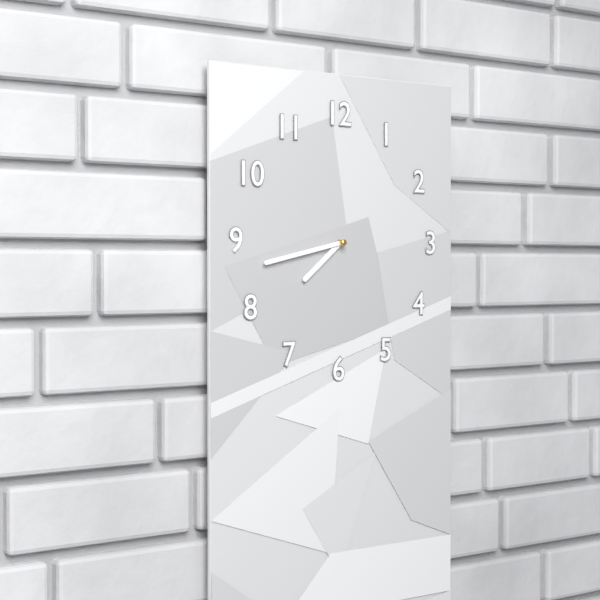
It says 7:43
